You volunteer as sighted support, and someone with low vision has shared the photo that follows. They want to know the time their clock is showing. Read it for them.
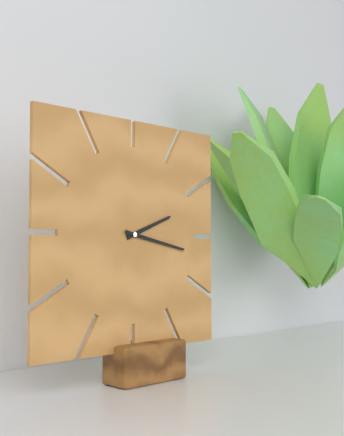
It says 2:17
